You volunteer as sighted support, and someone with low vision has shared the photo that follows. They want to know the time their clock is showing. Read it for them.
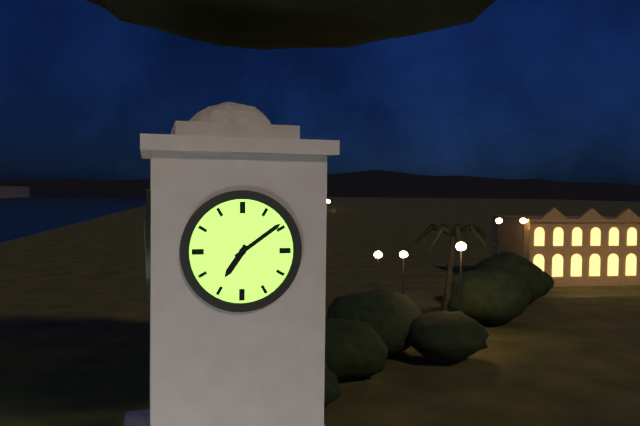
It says 7:09
